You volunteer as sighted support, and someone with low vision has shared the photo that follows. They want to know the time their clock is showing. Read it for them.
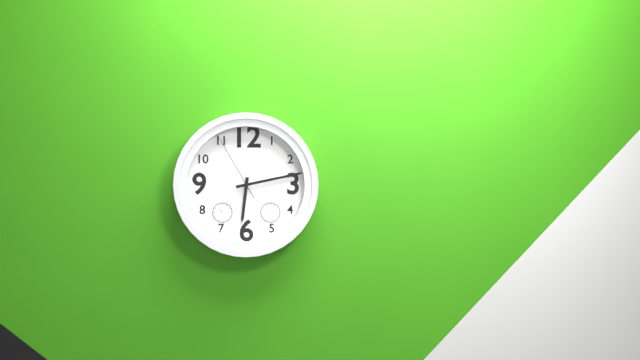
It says 6:13:55
